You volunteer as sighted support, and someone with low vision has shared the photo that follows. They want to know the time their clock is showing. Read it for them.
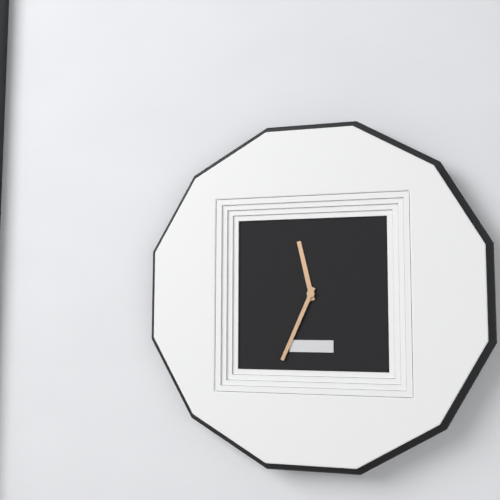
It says 11:34
